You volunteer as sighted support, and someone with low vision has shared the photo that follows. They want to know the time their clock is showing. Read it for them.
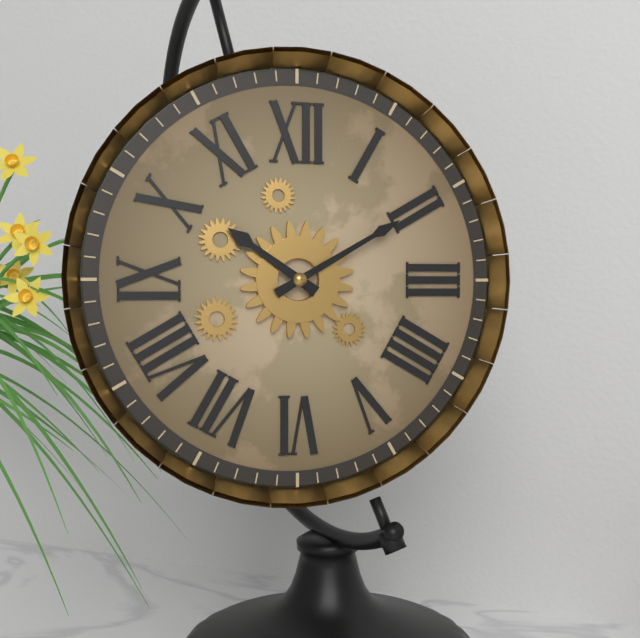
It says 10:10
